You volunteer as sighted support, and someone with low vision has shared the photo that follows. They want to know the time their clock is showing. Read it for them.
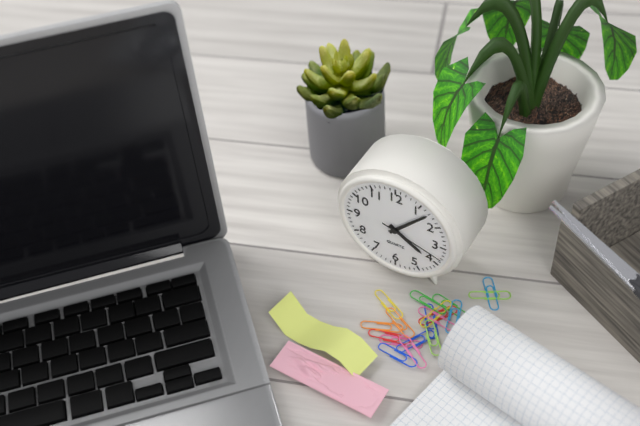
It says 4:07:18
